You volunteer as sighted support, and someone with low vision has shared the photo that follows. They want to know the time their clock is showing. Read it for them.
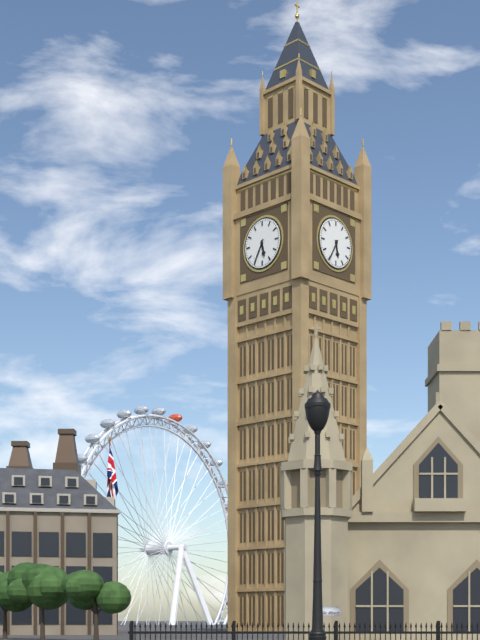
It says 5:35
